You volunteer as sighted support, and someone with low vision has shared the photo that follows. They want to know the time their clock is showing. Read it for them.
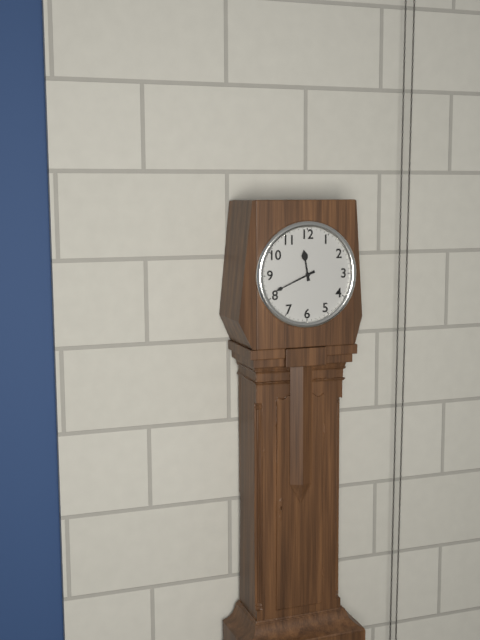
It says 11:41
